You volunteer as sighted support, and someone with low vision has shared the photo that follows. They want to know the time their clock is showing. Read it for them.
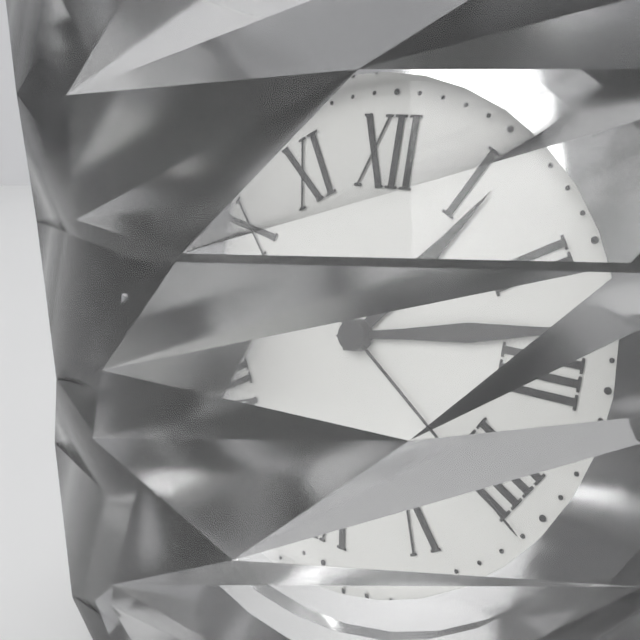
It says 1:13:21
